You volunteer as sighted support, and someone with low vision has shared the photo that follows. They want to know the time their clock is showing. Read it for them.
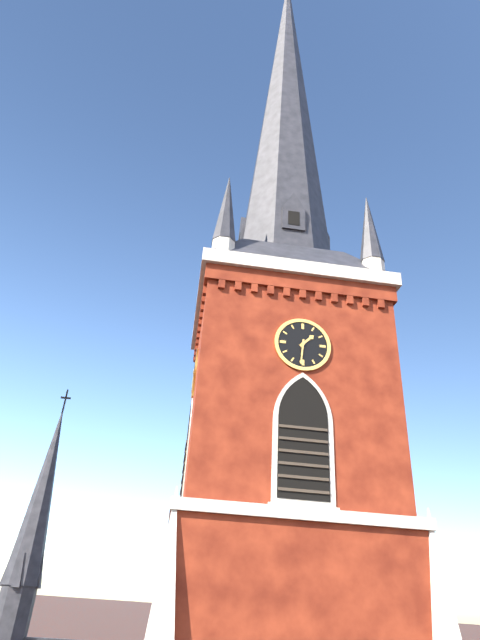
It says 1:31
